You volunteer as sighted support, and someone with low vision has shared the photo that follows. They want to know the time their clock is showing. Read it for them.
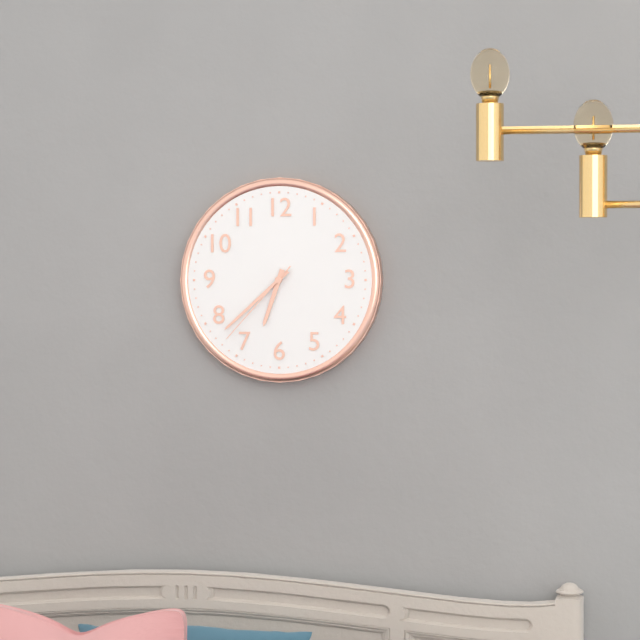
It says 6:38:37
